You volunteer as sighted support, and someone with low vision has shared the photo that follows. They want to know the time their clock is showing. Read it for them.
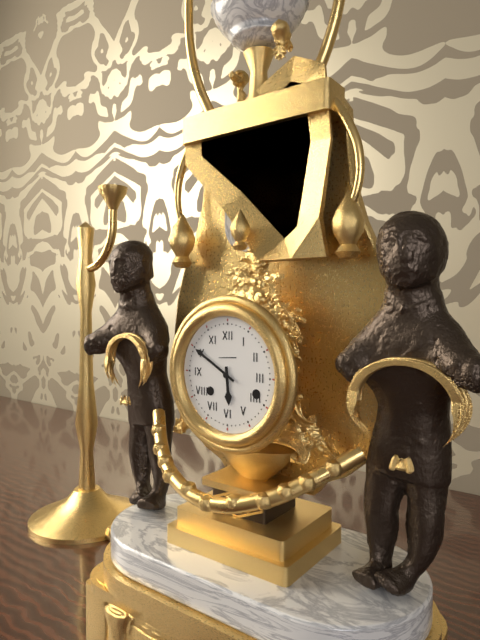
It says 5:50
